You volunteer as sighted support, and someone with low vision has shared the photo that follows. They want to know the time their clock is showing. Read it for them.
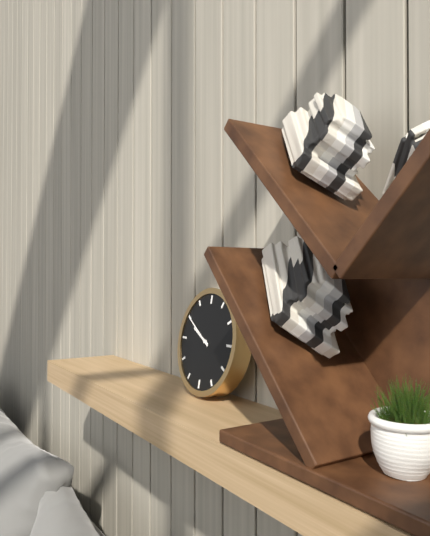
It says 9:50
